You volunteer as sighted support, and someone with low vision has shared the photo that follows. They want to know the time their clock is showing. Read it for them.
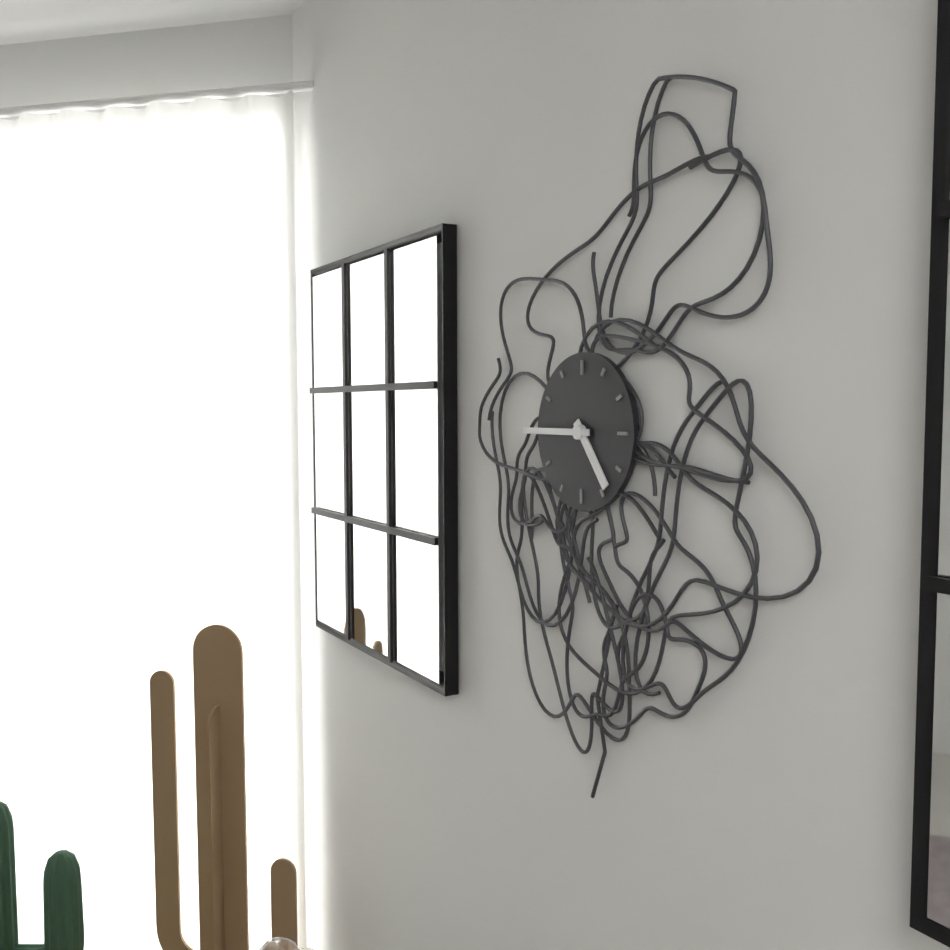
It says 4:45
